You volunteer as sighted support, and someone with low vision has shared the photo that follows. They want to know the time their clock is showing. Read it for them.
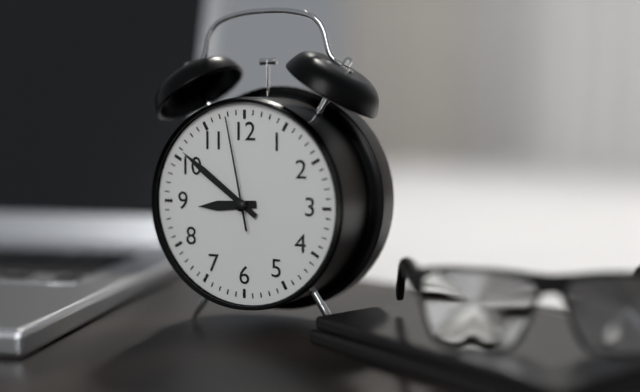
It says 8:51:58
